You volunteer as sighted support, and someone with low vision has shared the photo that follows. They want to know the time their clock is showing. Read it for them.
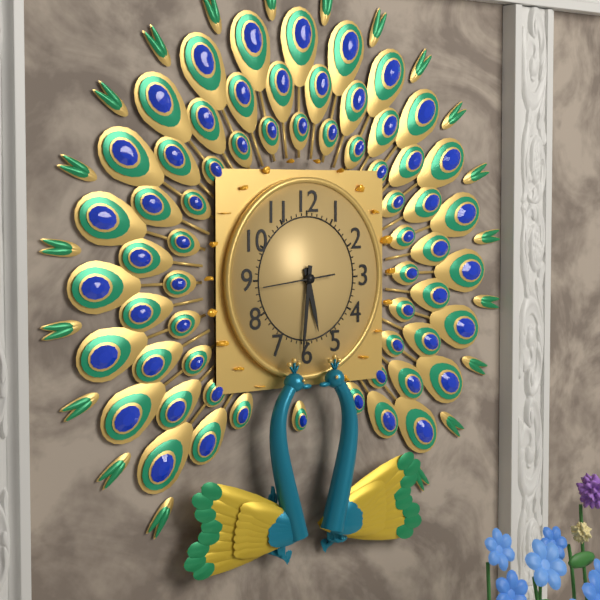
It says 5:31:44
